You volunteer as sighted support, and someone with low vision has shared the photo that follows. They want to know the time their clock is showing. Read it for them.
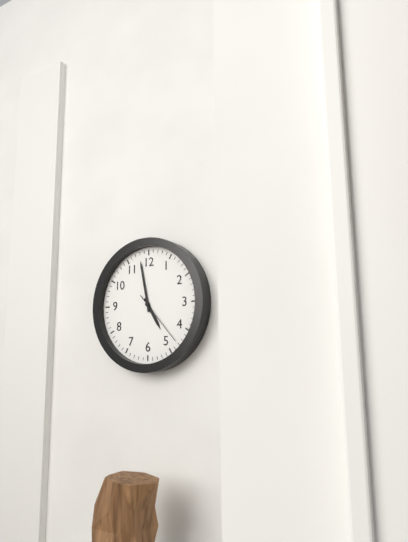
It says 4:58:23
